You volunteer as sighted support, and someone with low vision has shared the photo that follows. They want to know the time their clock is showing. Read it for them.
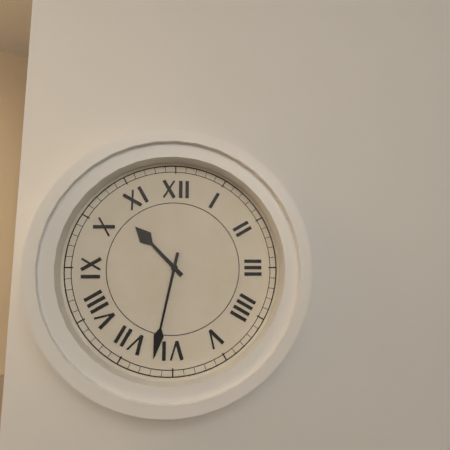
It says 10:32
